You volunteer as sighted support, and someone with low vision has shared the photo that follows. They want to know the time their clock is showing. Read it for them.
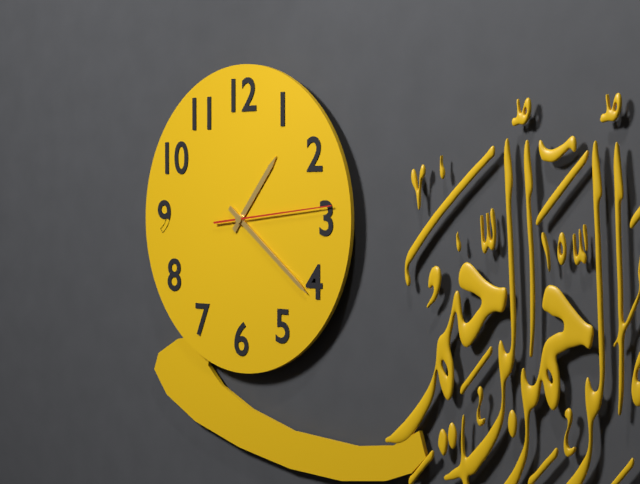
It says 1:21:14
